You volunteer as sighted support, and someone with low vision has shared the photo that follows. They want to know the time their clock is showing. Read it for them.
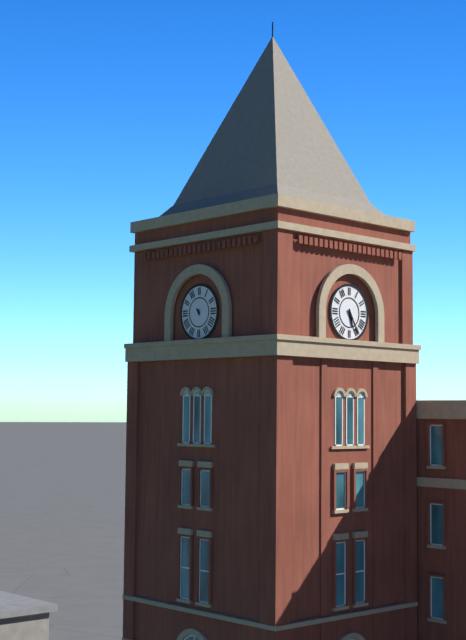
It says 5:25
